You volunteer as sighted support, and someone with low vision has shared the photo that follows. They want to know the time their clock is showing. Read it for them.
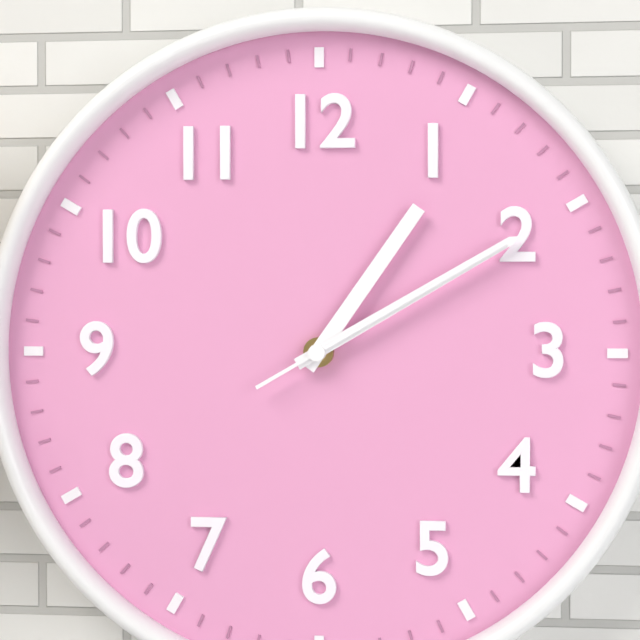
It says 1:10:10
